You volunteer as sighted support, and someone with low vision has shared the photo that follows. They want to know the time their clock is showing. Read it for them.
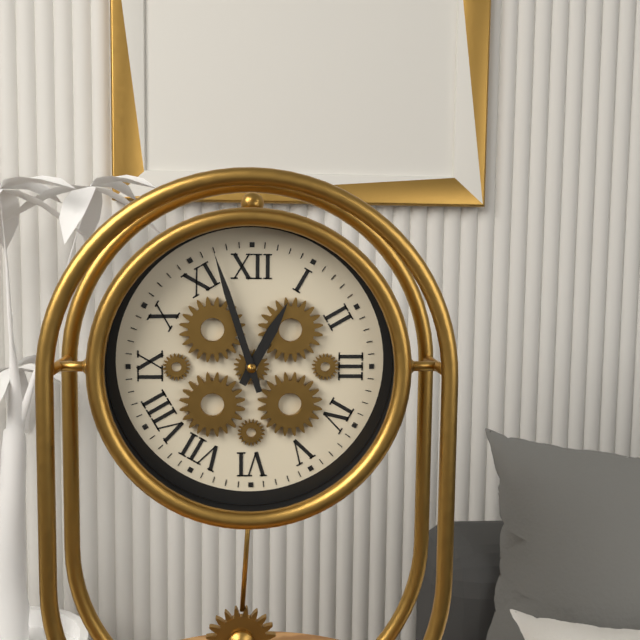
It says 12:57
